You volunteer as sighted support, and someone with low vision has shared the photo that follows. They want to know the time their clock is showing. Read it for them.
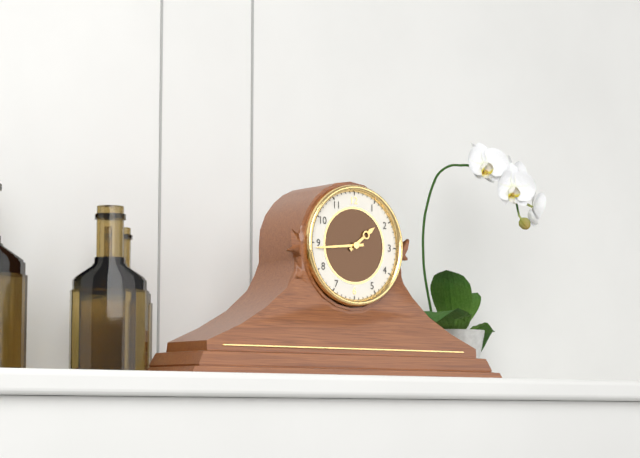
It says 1:44
